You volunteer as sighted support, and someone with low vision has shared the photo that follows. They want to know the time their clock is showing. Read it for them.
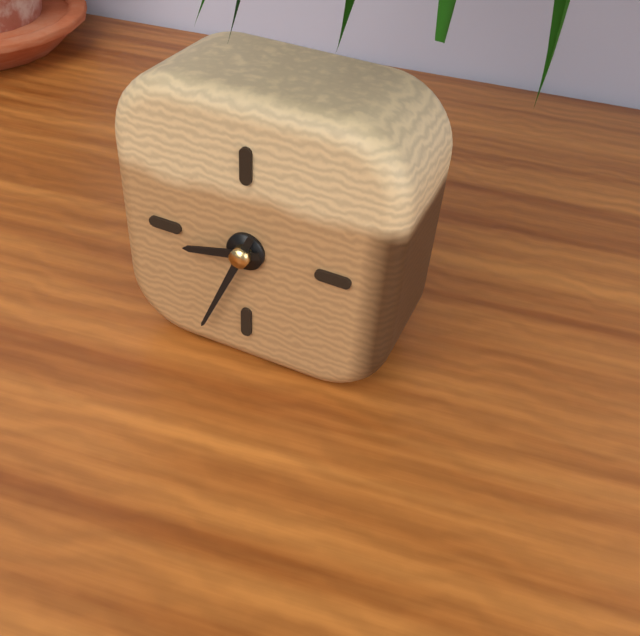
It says 8:34
